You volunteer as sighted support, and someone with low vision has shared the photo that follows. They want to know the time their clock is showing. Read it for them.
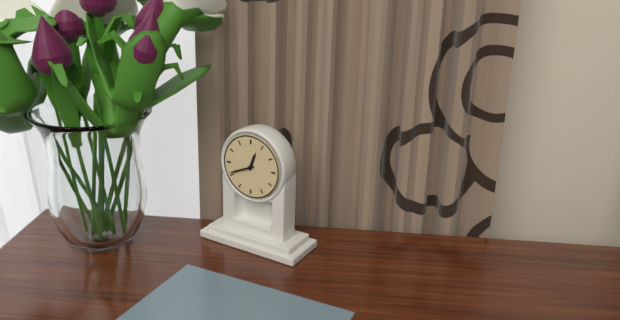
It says 12:41
